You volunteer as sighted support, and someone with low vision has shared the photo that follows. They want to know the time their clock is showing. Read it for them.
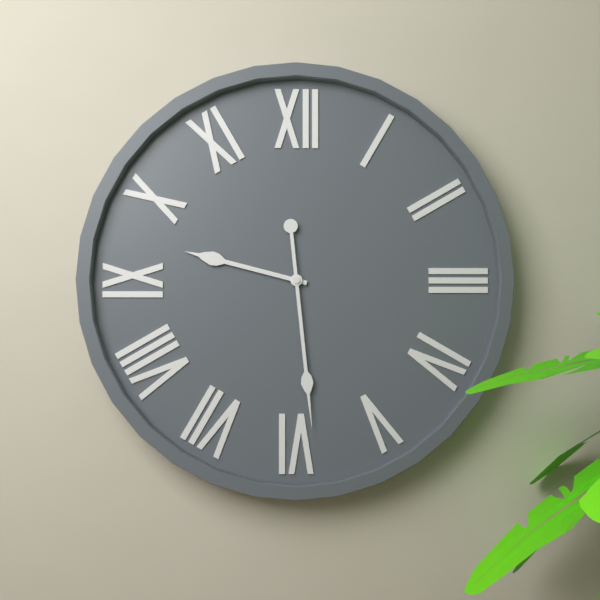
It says 9:29
